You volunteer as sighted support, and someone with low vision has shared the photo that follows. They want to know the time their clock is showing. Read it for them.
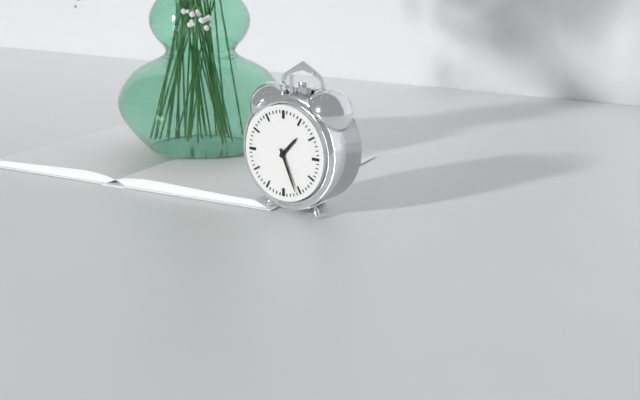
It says 1:26
